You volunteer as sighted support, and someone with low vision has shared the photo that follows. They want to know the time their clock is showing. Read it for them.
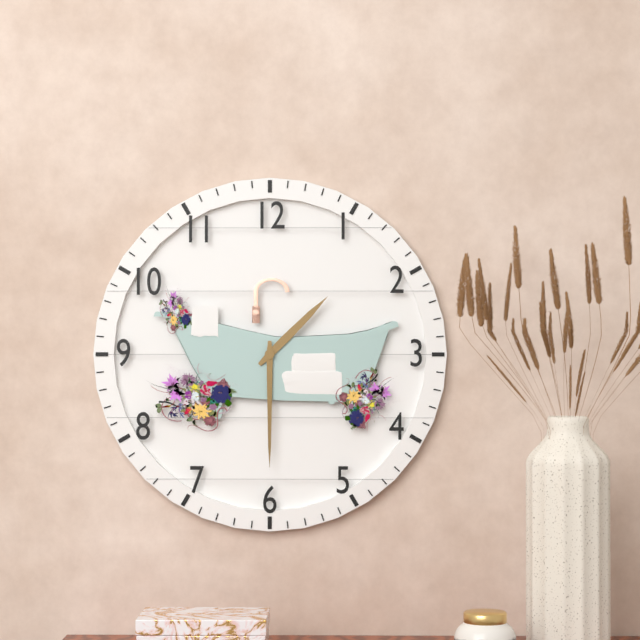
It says 1:30
